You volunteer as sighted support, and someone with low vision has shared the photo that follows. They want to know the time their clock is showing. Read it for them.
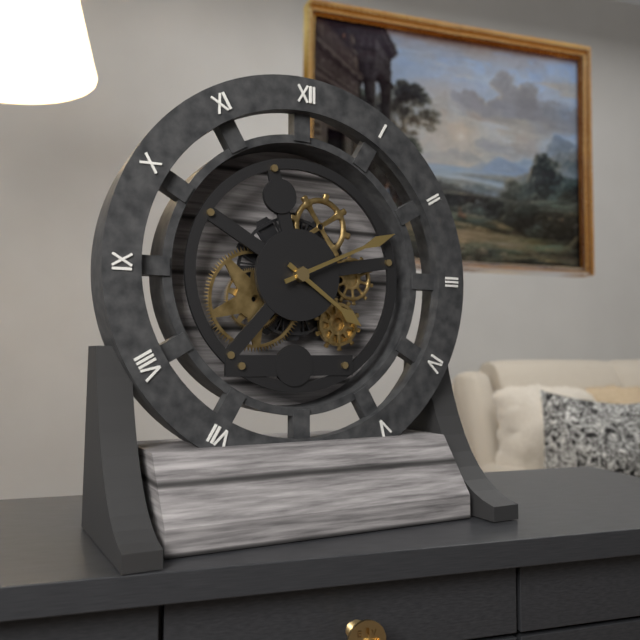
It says 4:11
